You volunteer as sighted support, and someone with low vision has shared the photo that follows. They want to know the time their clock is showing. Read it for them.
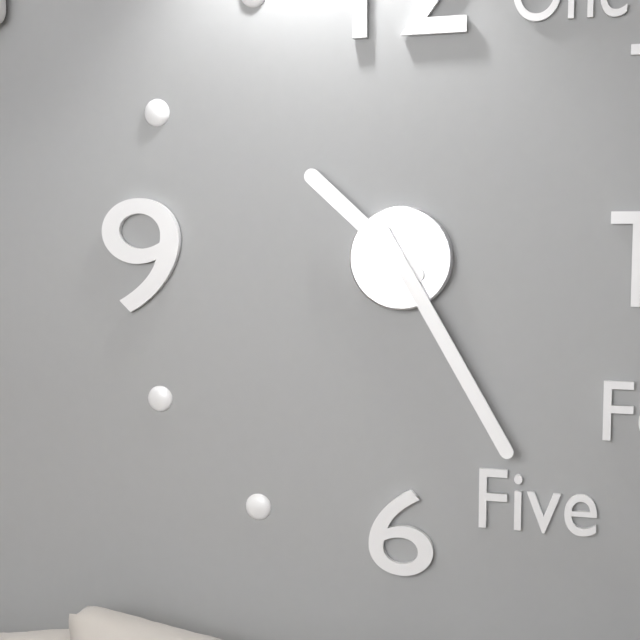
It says 10:25
